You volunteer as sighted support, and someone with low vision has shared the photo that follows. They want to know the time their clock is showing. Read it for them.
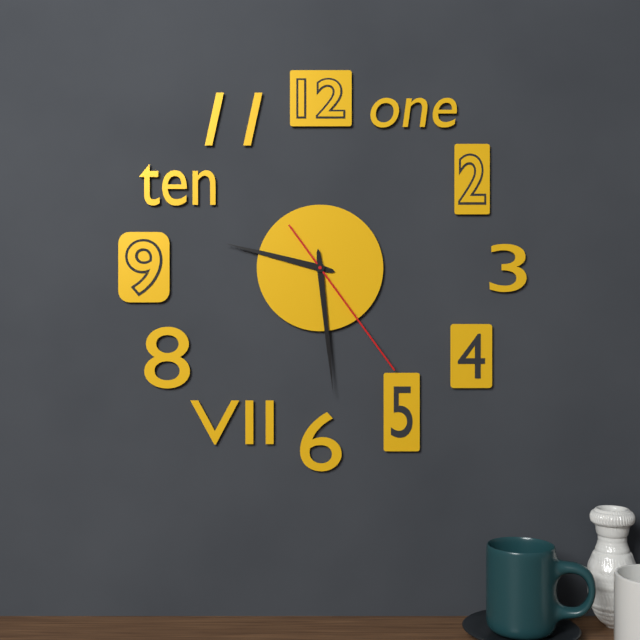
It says 9:29:24
